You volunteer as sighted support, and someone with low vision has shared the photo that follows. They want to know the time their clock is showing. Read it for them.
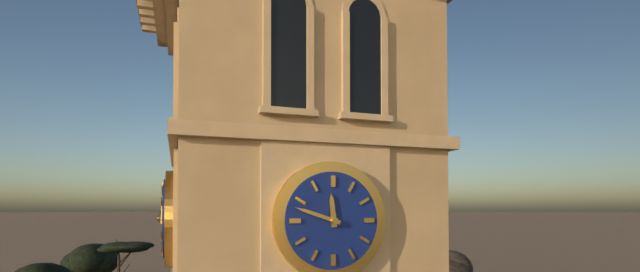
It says 11:48
